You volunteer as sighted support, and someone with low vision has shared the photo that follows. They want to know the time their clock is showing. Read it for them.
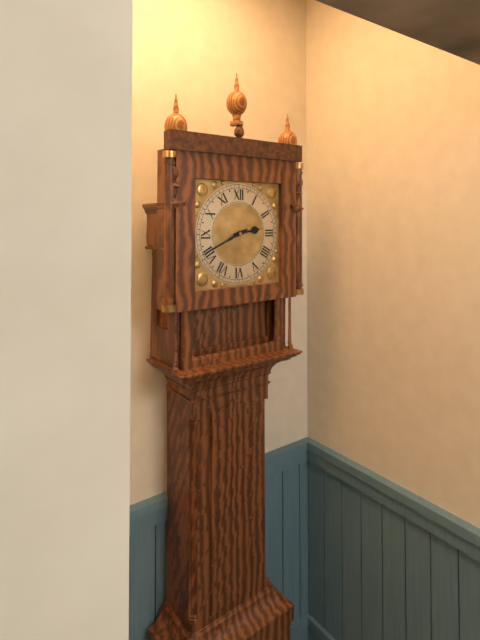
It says 2:41
